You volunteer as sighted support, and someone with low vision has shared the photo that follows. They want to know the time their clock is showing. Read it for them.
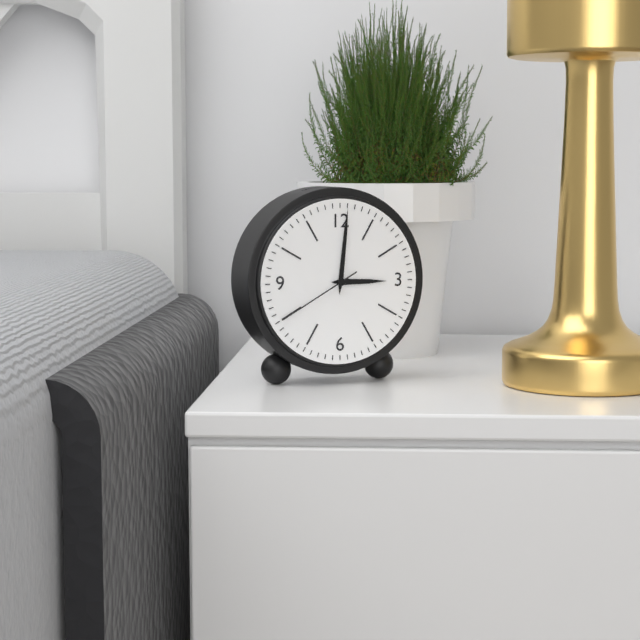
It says 3:01:40
